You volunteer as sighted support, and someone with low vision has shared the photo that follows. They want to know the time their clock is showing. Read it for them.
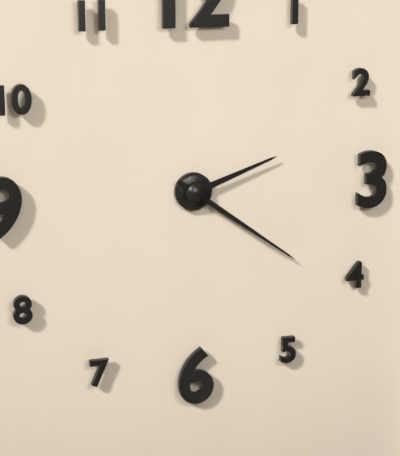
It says 2:21
